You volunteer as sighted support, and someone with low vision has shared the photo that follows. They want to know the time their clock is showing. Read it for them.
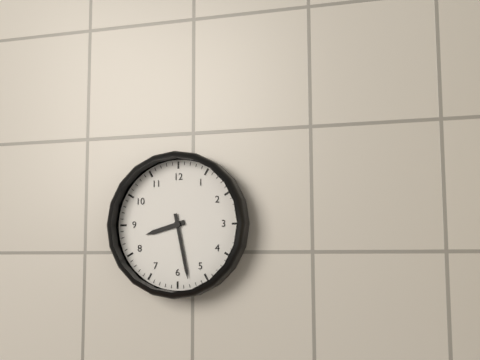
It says 8:28
